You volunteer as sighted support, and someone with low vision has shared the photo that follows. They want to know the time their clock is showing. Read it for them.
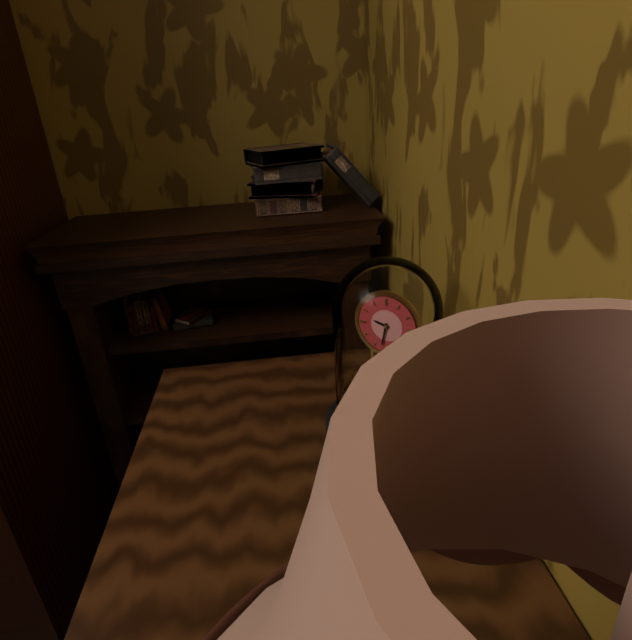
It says 9:32
